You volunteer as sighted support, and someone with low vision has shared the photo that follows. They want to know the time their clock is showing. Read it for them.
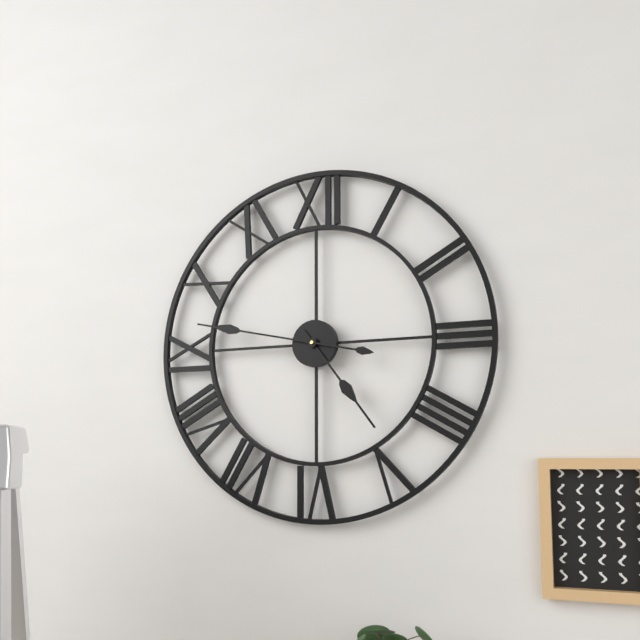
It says 4:47
